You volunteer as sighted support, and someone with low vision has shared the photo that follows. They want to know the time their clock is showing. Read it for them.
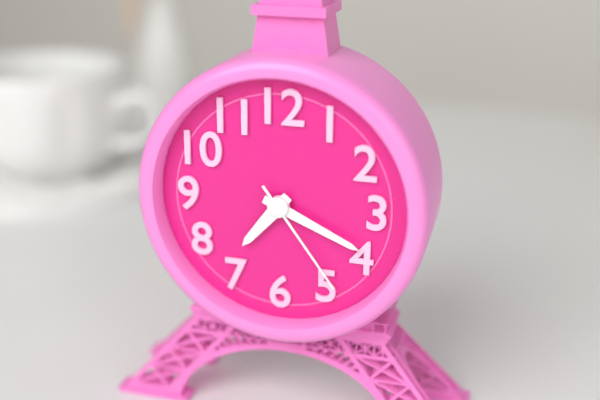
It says 7:19:24
